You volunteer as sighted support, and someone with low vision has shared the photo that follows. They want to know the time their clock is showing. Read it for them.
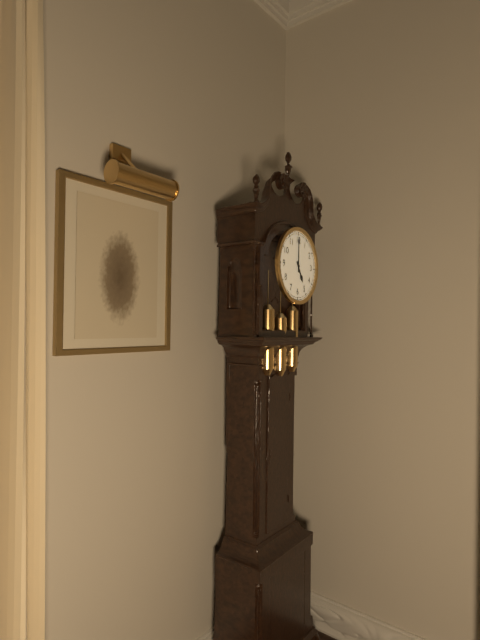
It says 5:00
